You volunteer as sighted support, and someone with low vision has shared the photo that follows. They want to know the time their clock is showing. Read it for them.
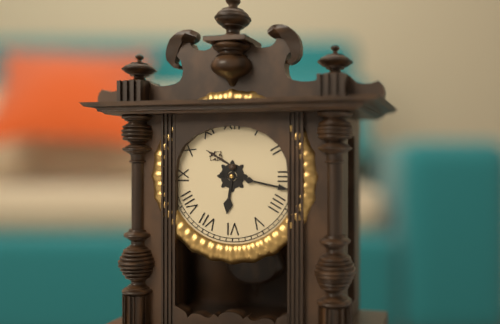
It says 6:17
